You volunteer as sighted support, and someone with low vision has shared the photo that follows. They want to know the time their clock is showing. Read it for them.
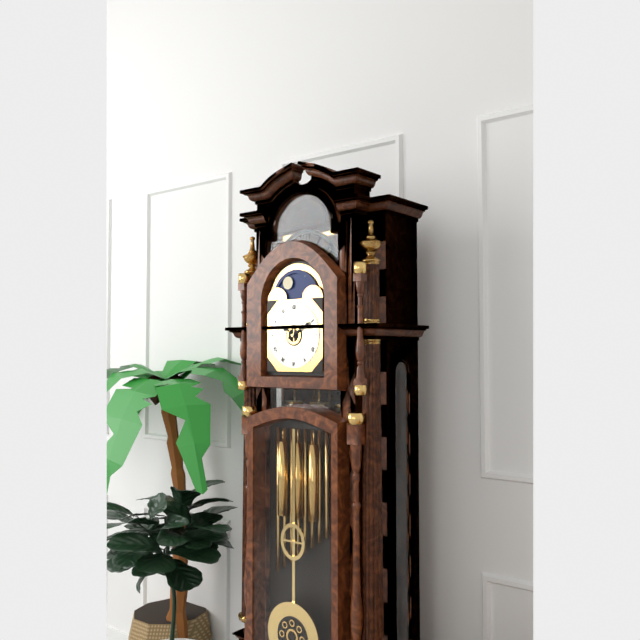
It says 10:10
